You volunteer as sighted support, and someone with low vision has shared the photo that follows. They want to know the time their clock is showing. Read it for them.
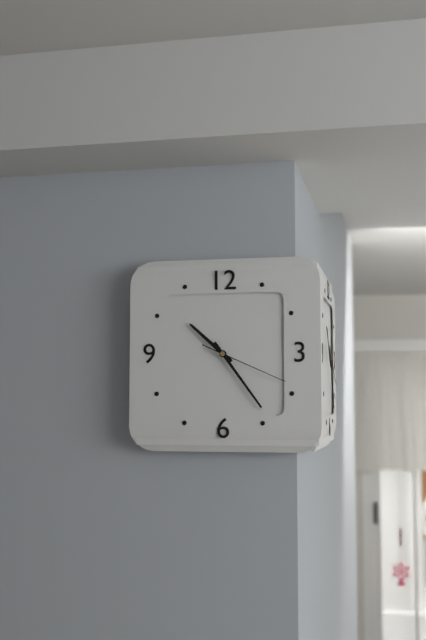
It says 10:24:19
